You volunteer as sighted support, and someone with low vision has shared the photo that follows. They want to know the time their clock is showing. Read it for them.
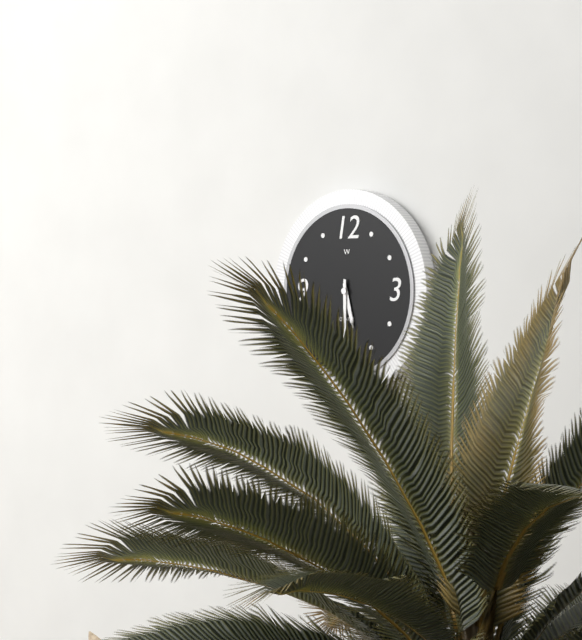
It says 5:30
